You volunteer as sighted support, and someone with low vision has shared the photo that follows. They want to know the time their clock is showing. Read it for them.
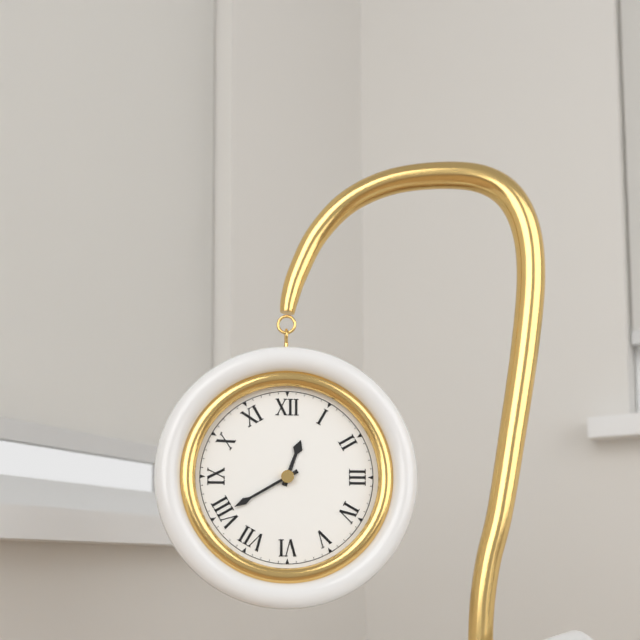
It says 12:40
